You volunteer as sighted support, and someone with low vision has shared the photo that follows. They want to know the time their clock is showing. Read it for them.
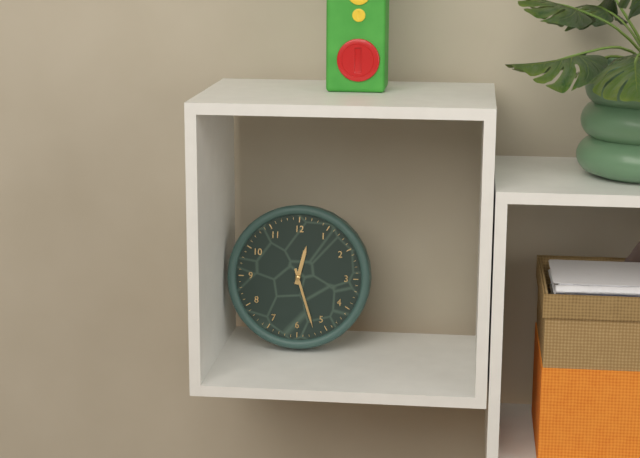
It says 12:27
